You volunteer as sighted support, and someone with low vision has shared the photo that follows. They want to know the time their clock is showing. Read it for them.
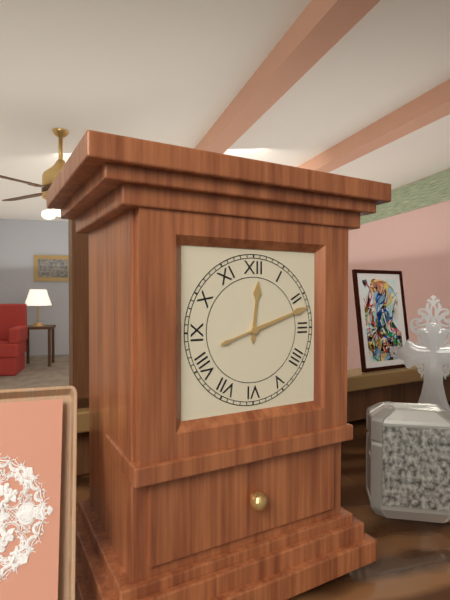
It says 12:12
